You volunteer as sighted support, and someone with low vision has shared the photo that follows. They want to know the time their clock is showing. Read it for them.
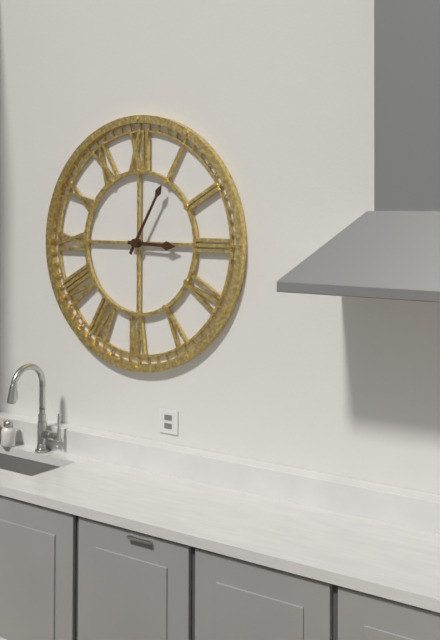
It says 3:05
